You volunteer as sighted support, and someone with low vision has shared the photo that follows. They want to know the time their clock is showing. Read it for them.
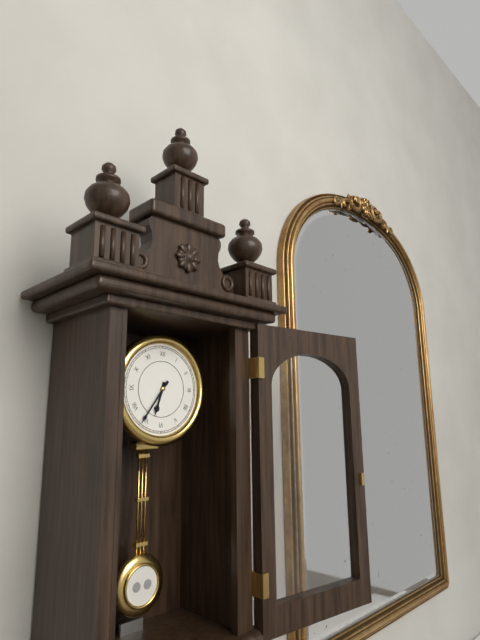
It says 6:36
